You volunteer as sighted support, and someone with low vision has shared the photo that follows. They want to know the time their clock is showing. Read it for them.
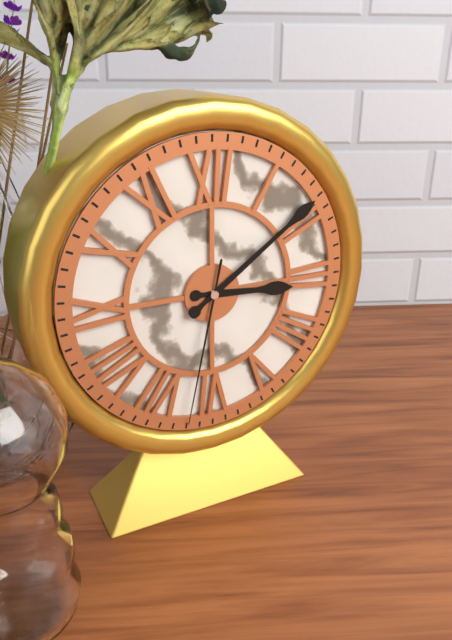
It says 3:09:32
